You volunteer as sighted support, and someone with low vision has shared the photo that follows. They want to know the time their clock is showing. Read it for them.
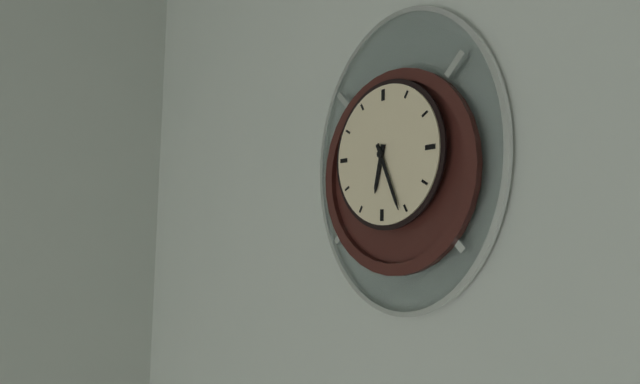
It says 6:26
